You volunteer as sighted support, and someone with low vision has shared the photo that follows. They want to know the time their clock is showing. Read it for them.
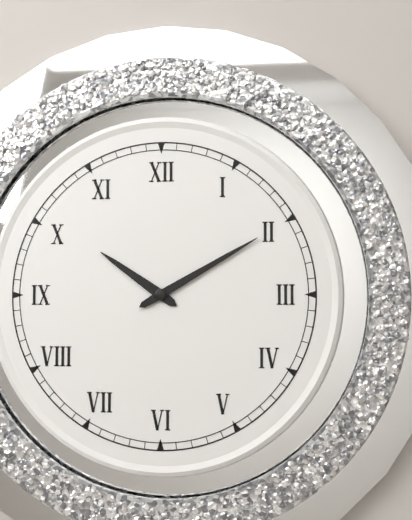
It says 10:10
